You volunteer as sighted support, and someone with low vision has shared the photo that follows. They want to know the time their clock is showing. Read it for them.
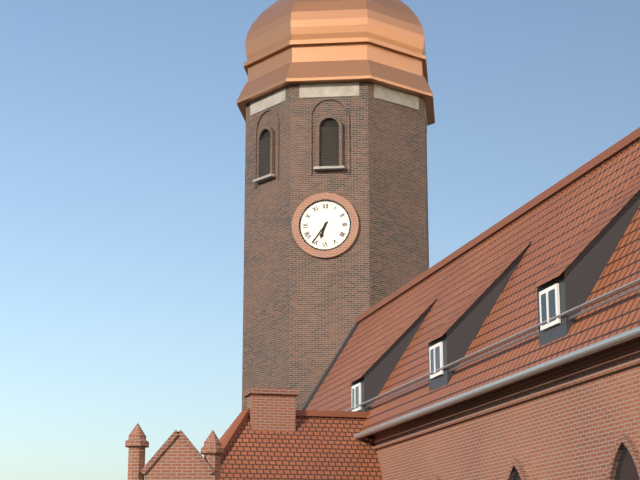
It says 6:36
